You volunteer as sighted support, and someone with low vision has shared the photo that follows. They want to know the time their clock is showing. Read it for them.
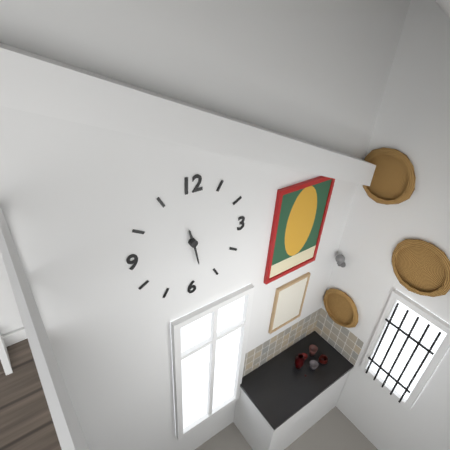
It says 11:28
